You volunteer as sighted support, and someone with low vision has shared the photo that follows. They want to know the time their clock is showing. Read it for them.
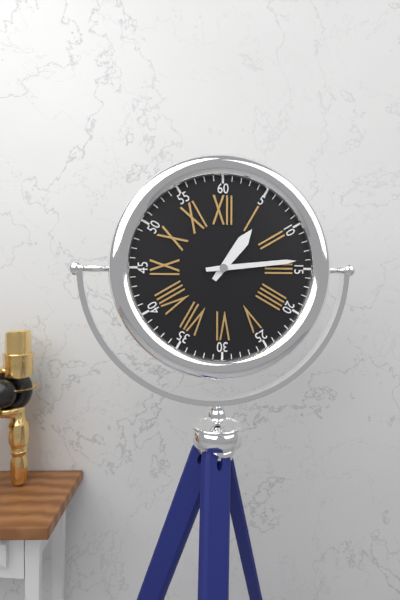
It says 1:14
